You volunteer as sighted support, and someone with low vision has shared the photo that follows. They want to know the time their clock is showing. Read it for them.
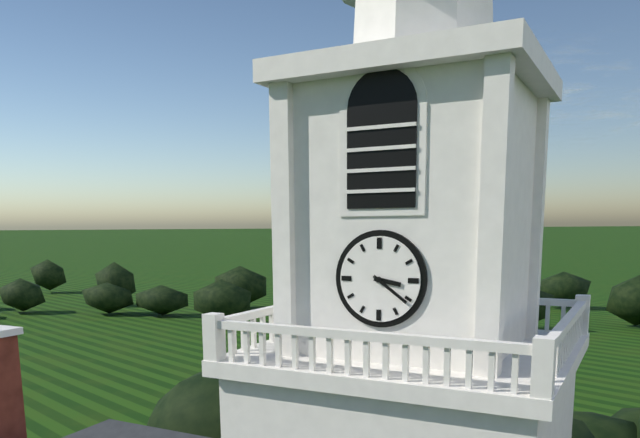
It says 3:21
